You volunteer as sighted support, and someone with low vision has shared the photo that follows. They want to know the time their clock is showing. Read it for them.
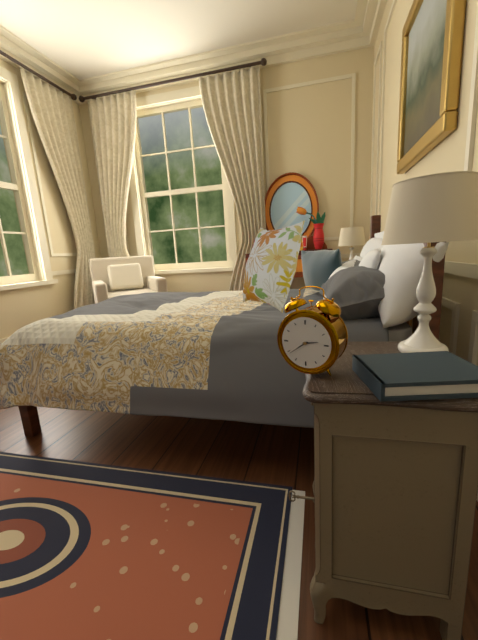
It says 2:39
